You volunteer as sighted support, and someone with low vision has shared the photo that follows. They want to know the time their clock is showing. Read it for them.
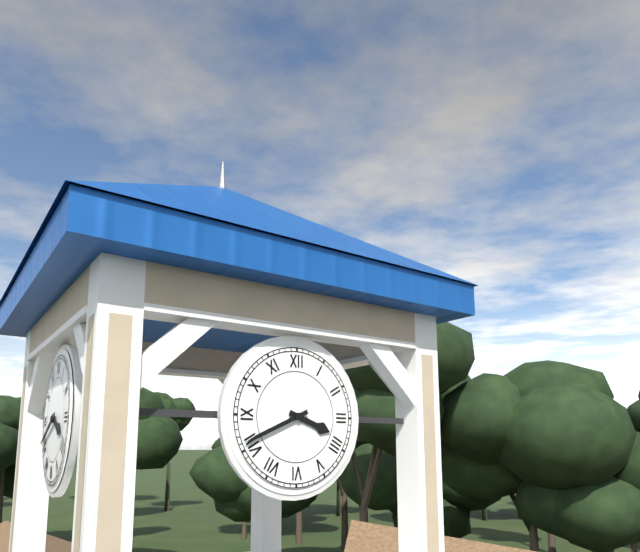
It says 3:41
